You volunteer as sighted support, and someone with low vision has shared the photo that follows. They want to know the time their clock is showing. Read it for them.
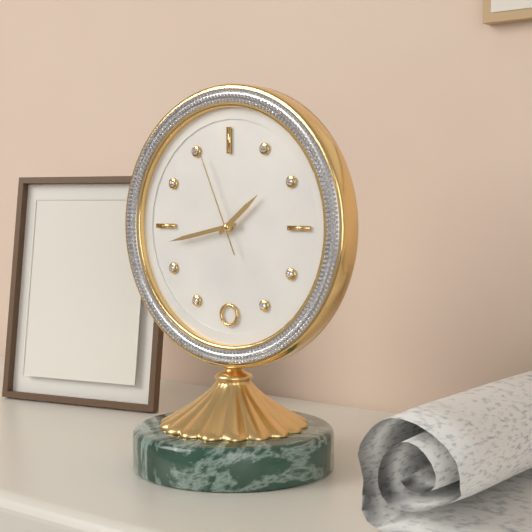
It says 1:43:56
